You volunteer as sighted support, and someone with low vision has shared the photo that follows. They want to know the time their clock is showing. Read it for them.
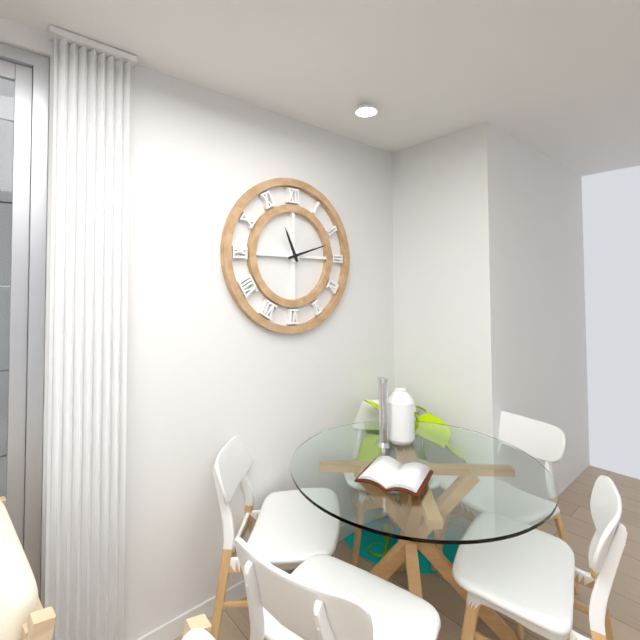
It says 11:12
